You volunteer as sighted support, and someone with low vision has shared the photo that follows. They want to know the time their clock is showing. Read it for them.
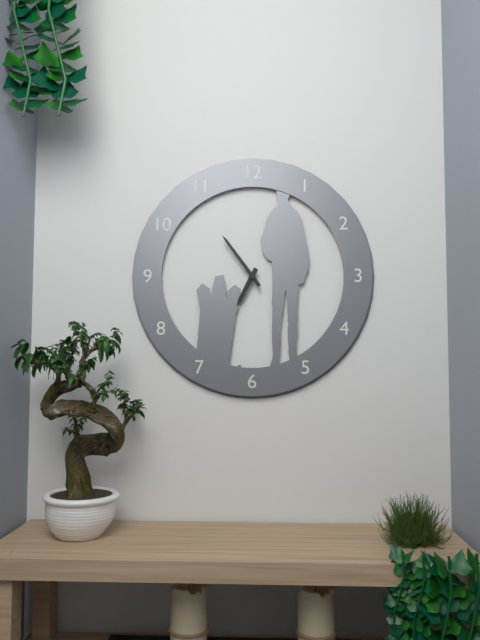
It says 6:54
